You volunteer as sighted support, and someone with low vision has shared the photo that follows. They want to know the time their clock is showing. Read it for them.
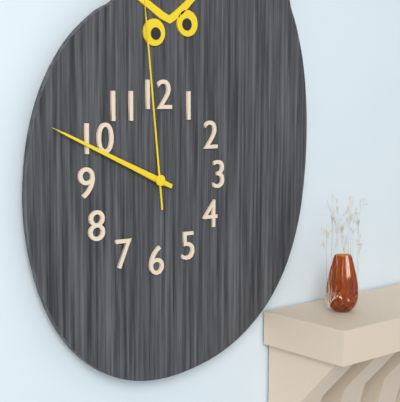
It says 9:49
